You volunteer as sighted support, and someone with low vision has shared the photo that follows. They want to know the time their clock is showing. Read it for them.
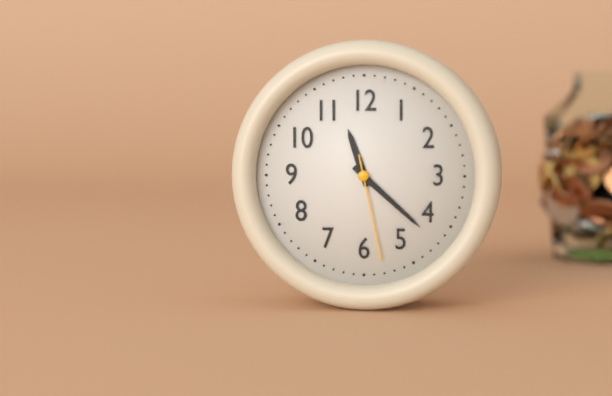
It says 11:22:28
